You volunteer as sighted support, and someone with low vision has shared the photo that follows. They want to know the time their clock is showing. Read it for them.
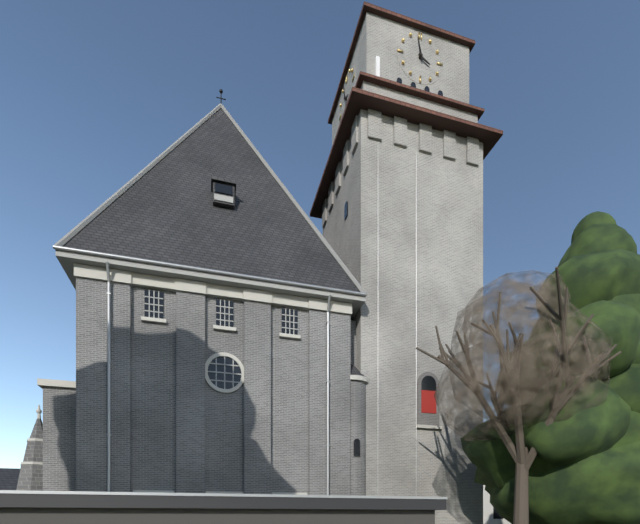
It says 3:58
